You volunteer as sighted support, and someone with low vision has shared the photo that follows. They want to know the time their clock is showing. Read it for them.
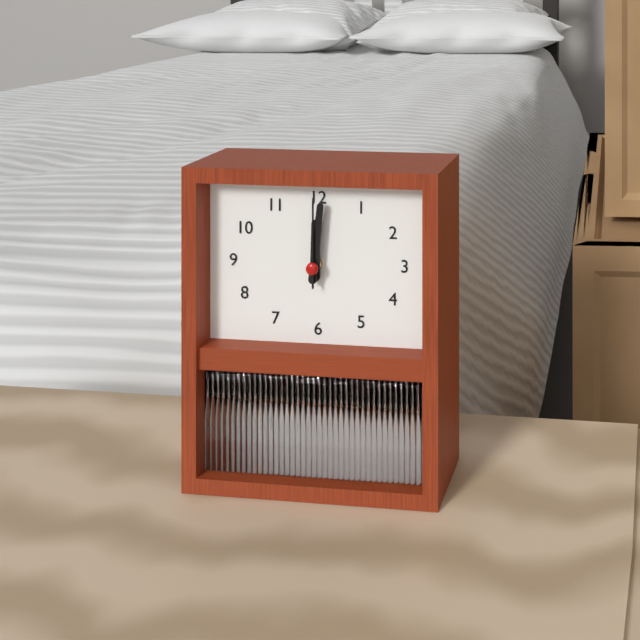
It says 12:01:00
